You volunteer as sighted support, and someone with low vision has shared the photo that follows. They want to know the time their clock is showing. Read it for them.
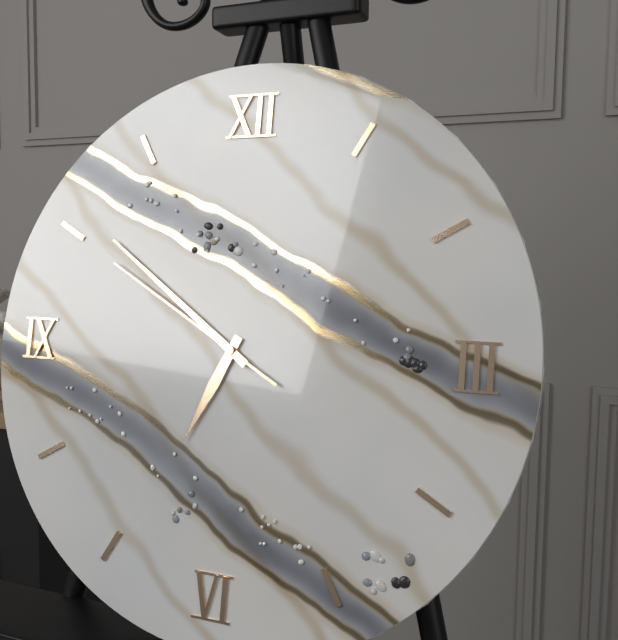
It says 6:51:50
